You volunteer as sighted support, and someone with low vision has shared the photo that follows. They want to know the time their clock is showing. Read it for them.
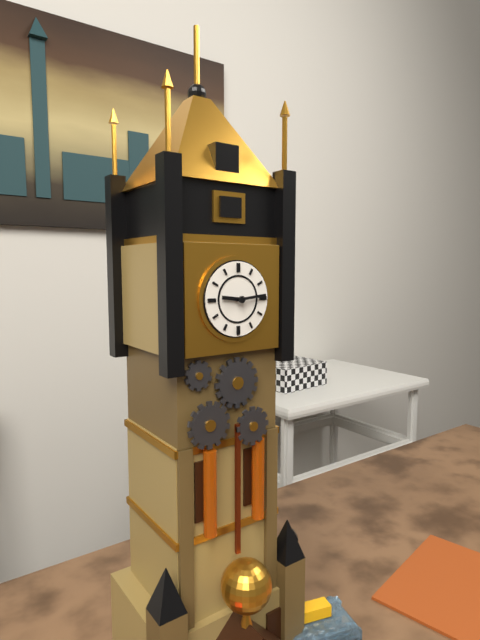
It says 9:14
